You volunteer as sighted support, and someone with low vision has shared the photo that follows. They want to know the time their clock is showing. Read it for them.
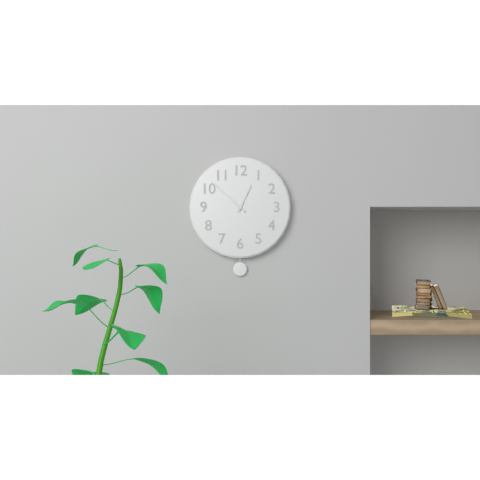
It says 12:52
